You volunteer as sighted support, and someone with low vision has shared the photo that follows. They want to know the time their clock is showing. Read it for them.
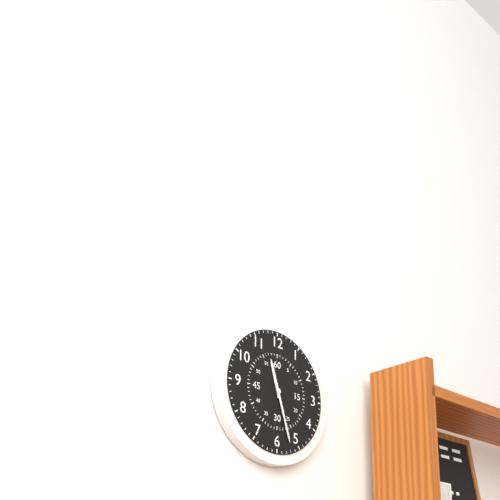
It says 11:27
